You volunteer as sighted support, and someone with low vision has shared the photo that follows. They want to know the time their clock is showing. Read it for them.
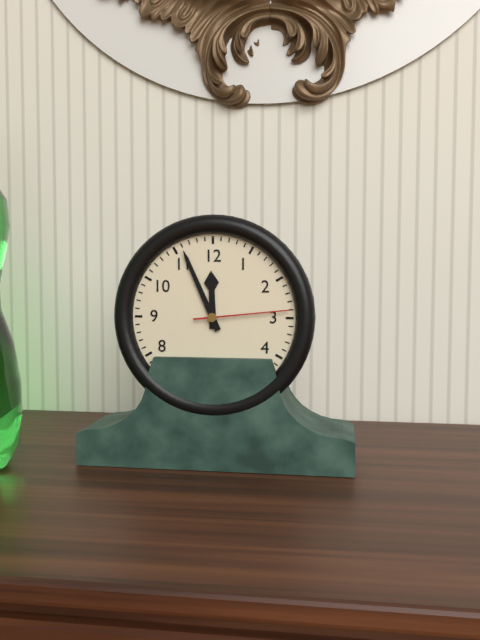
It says 11:56:14
